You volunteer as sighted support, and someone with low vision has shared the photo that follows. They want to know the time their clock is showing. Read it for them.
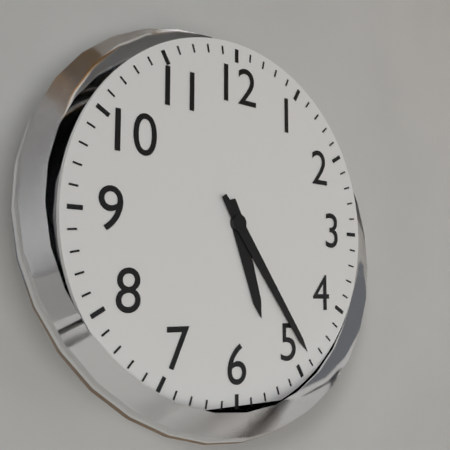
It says 5:24
